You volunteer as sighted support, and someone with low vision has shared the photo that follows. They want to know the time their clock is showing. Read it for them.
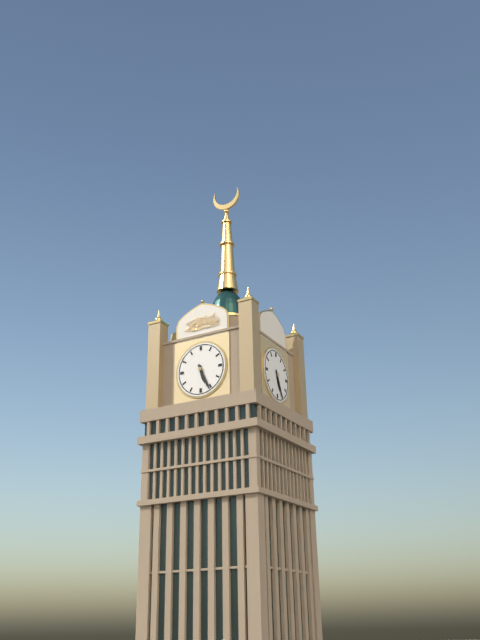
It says 5:26
